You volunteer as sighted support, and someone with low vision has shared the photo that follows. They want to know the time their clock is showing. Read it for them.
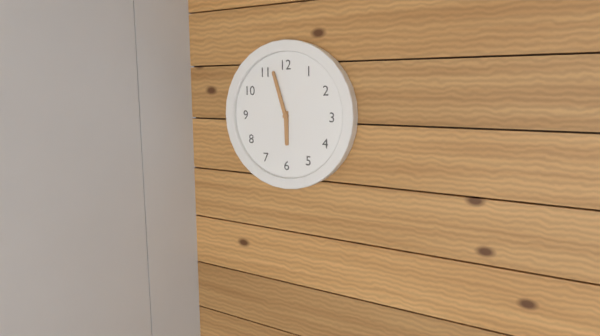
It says 5:57
